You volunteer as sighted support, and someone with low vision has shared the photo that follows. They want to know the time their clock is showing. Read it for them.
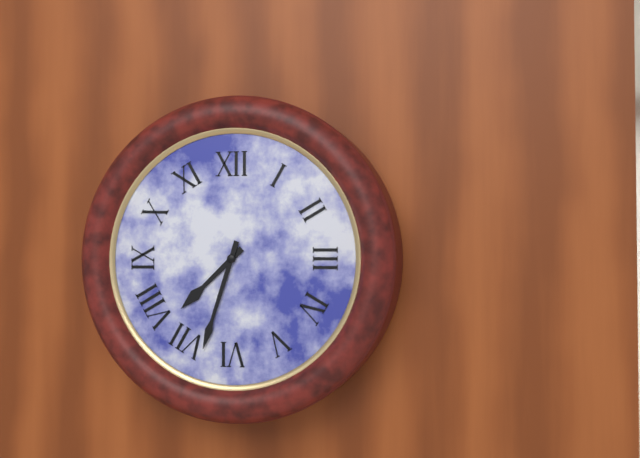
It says 7:33
